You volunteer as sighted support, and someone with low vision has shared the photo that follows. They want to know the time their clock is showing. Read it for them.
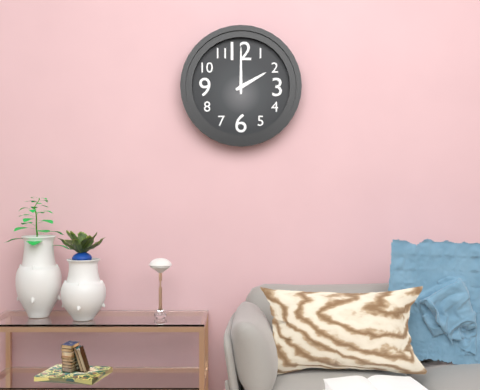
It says 2:00
